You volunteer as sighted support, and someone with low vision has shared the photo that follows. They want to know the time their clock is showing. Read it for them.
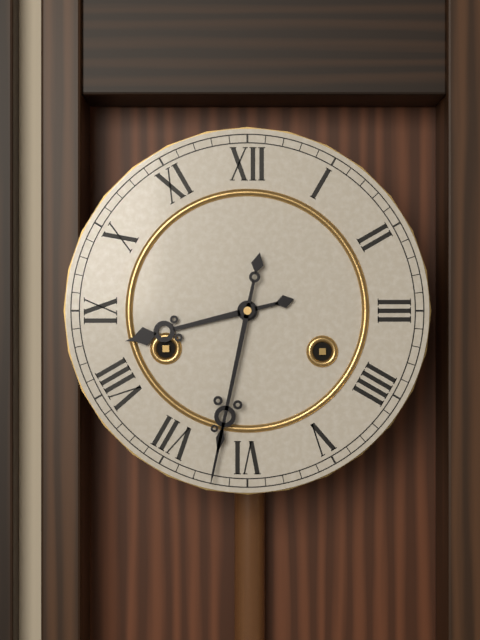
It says 8:32
